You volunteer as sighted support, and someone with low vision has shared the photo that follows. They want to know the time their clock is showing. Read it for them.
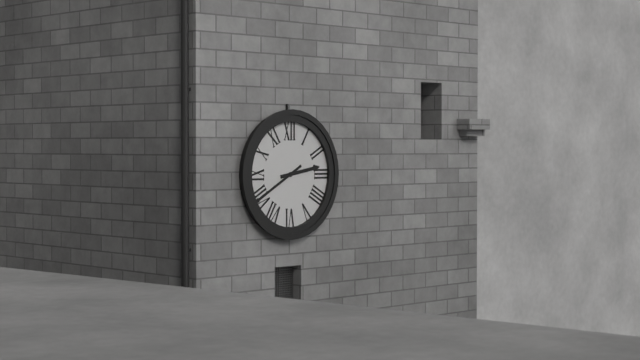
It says 2:40
